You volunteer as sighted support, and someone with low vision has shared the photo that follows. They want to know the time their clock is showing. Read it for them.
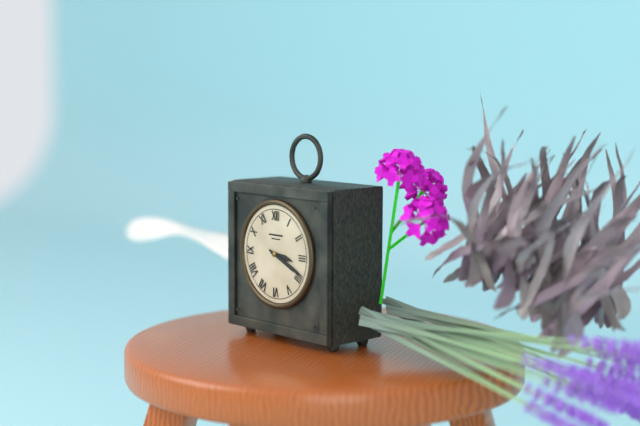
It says 3:19
